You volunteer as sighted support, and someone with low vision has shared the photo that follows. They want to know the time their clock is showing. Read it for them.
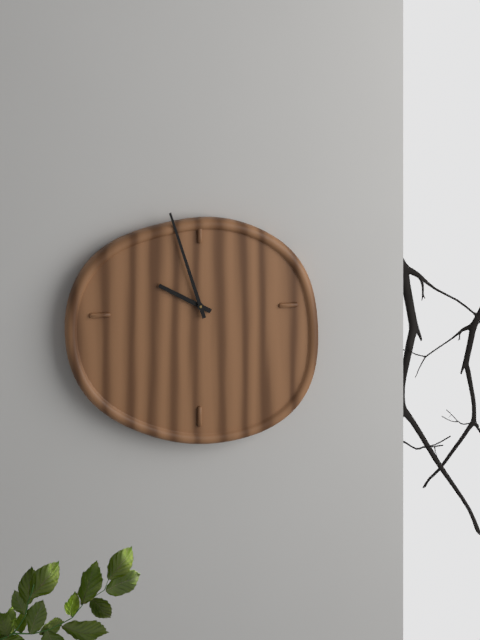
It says 9:57
